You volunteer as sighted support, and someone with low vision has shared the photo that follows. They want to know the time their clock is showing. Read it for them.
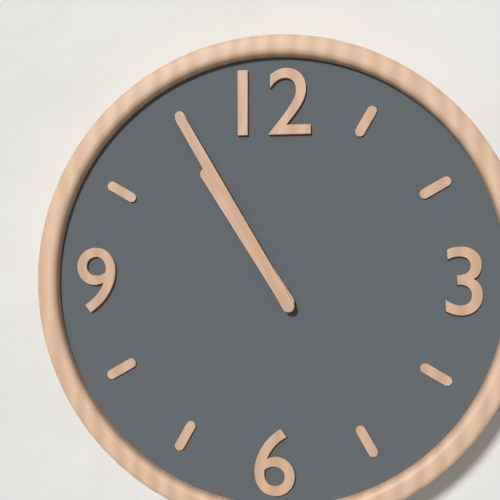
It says 10:55
